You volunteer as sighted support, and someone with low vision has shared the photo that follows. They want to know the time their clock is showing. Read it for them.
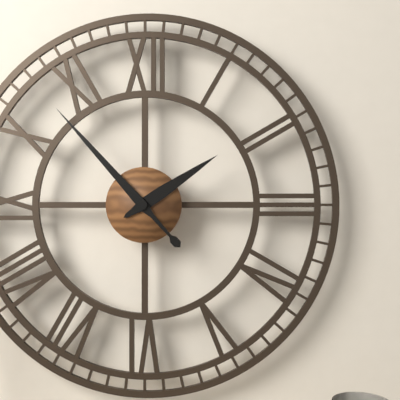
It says 1:53
